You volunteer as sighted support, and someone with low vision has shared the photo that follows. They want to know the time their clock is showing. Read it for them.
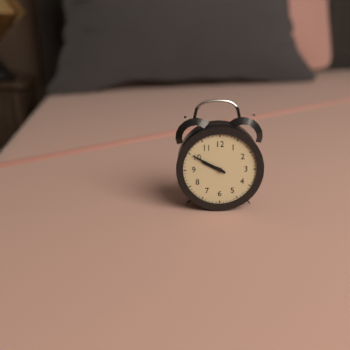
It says 9:50
